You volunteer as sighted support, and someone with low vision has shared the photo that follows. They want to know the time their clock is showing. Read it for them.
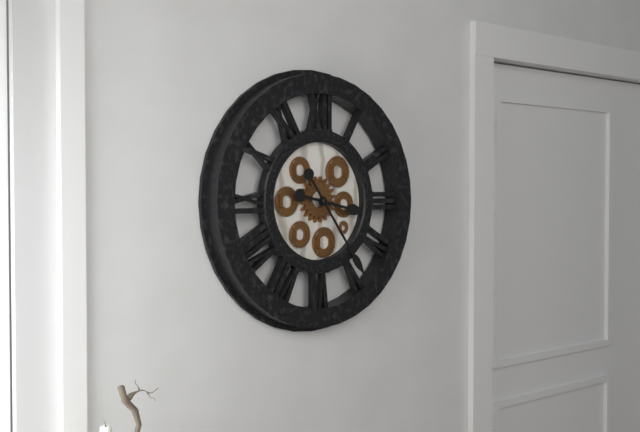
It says 3:24
